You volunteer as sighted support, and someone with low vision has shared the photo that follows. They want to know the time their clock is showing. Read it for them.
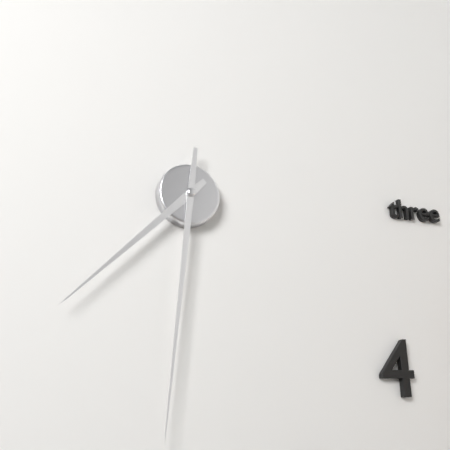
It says 7:31
